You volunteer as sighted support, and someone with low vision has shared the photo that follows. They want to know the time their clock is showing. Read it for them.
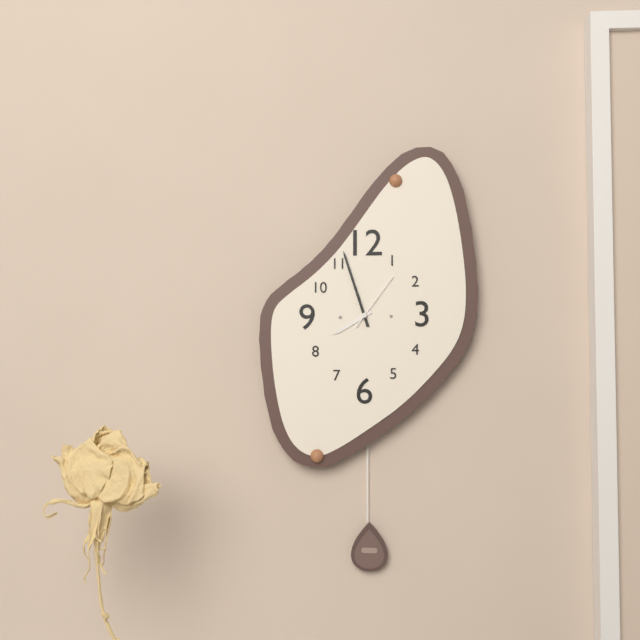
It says 7:57:06
